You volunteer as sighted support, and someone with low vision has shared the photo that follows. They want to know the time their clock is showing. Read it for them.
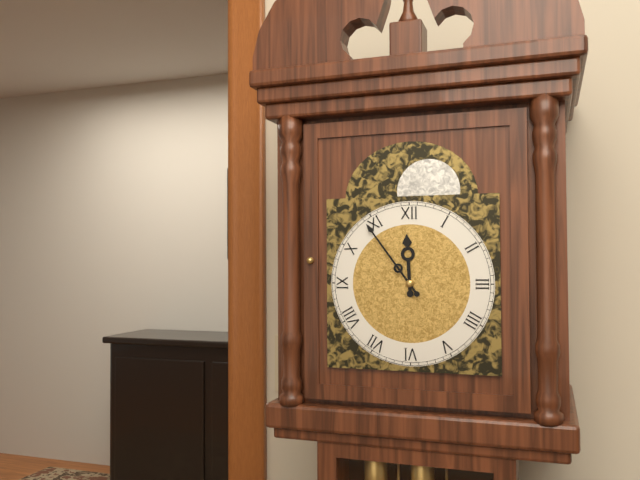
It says 11:54
